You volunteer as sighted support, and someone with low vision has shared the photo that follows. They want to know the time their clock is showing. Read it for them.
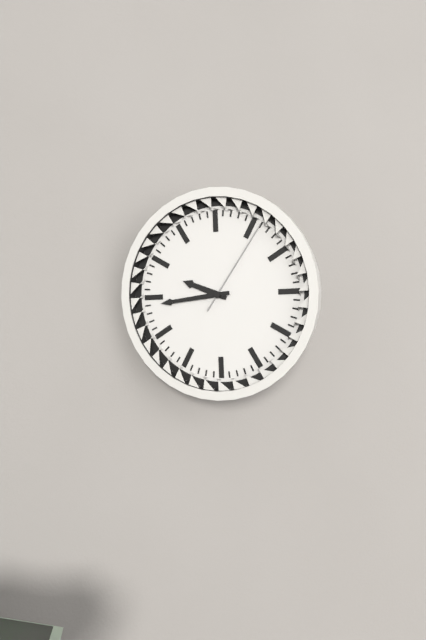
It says 9:44:06
